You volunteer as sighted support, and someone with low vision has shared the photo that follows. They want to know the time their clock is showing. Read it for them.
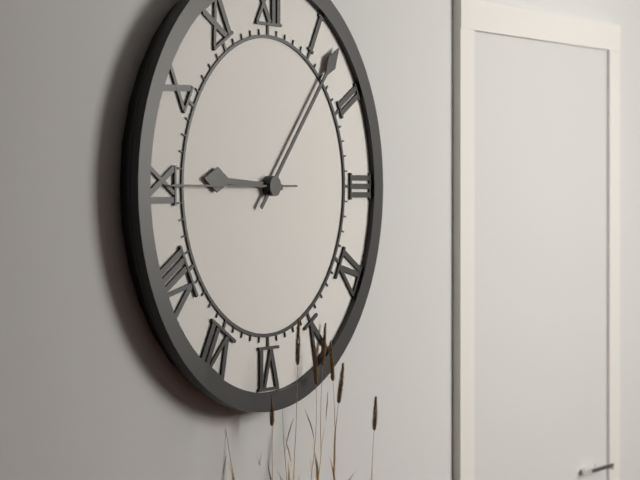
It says 9:07:45
